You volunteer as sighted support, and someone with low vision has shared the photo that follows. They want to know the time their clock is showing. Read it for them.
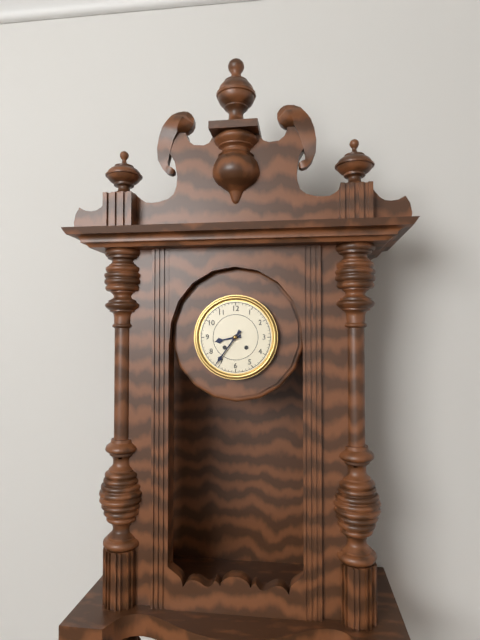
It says 8:36
